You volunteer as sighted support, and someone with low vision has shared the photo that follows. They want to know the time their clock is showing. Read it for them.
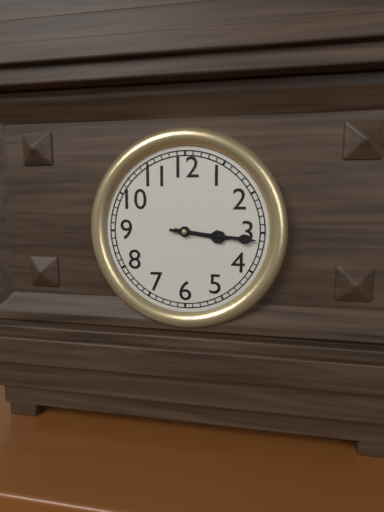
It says 3:16
